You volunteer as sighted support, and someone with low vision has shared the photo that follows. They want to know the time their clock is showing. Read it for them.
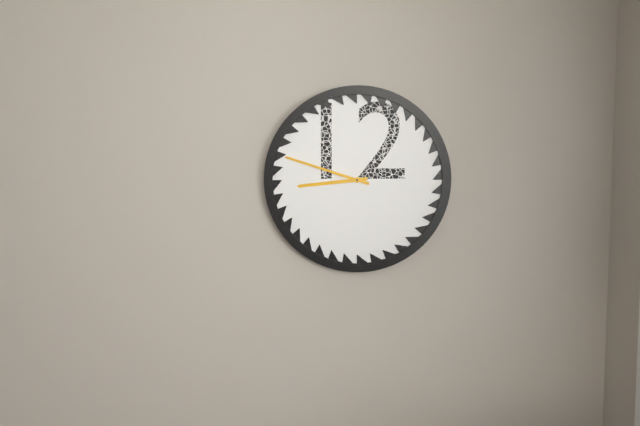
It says 8:48
